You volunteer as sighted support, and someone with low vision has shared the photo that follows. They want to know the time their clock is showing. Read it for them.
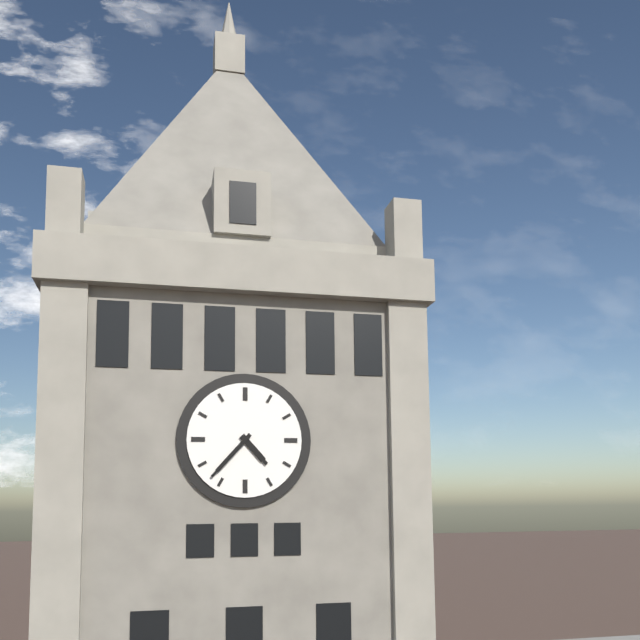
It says 4:37
